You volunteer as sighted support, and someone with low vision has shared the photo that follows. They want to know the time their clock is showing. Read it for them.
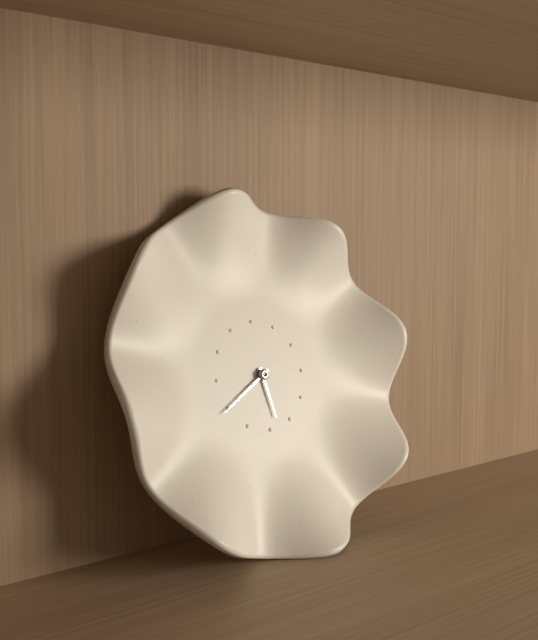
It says 5:40
